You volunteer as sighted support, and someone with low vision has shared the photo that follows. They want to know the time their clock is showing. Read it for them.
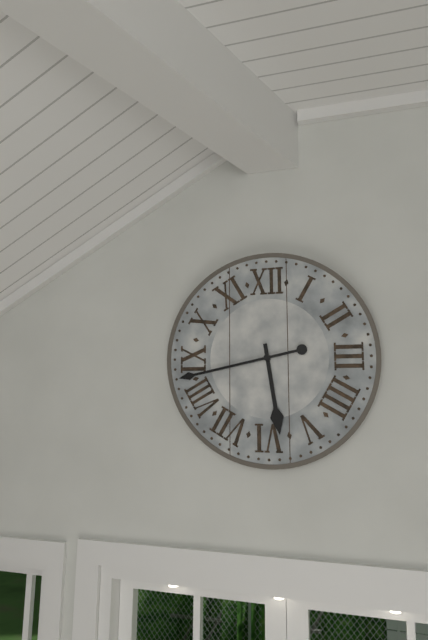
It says 5:43
